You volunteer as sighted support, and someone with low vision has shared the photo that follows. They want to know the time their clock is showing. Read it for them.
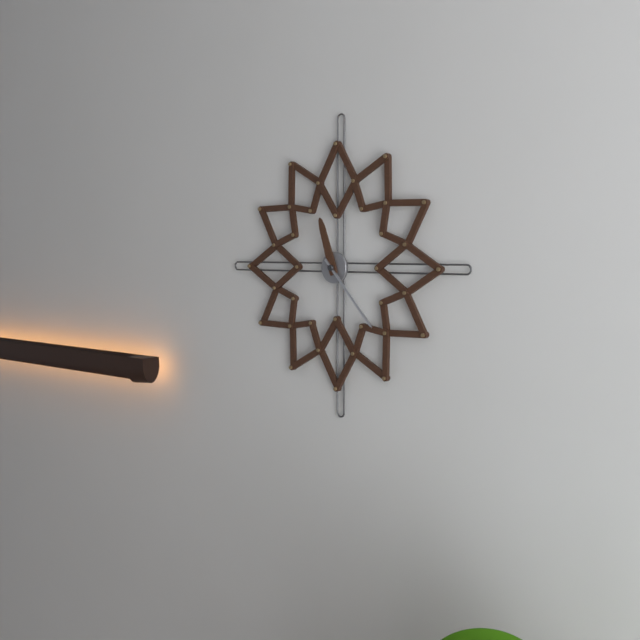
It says 11:23
